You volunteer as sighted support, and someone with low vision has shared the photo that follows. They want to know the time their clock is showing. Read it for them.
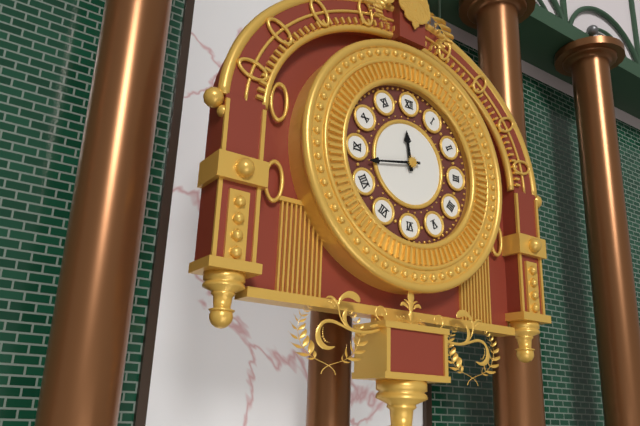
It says 11:43
